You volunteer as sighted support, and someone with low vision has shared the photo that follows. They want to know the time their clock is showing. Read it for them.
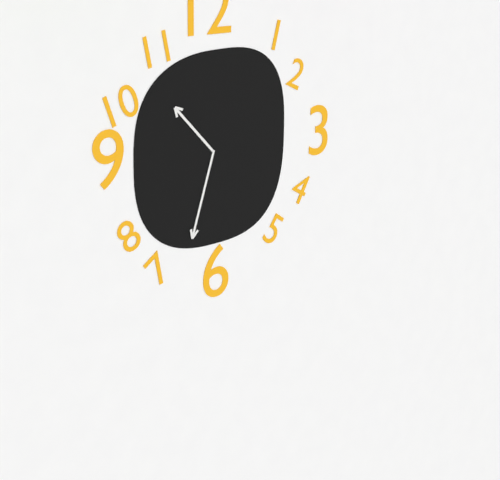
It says 10:33
